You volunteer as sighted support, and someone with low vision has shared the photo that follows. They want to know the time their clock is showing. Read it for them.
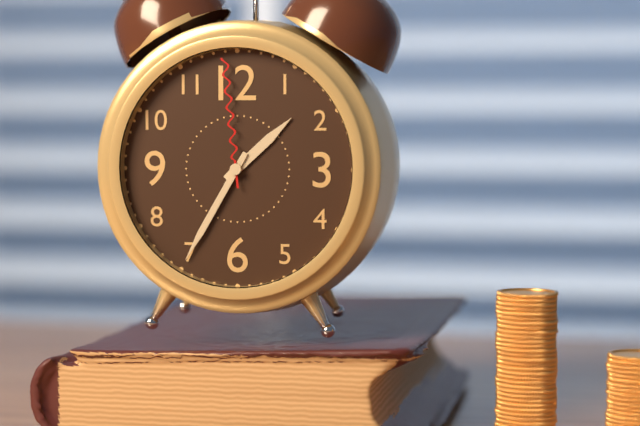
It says 1:35:59
